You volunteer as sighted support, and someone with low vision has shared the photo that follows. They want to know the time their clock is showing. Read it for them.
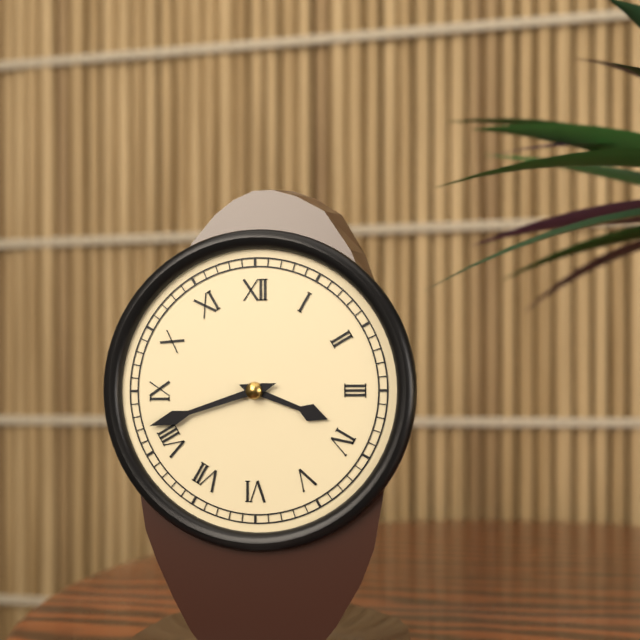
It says 3:42
